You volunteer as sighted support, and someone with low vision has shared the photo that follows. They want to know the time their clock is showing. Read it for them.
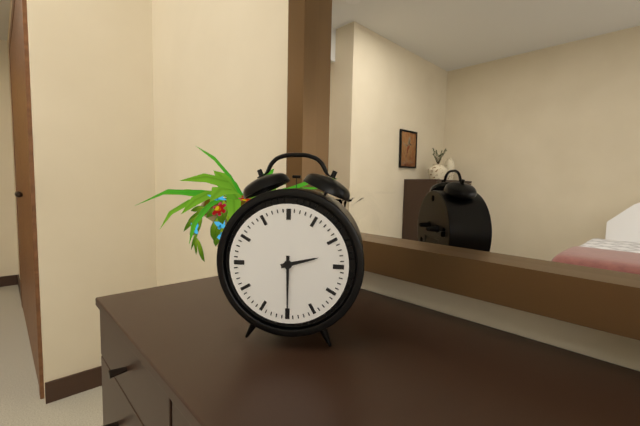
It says 2:30
